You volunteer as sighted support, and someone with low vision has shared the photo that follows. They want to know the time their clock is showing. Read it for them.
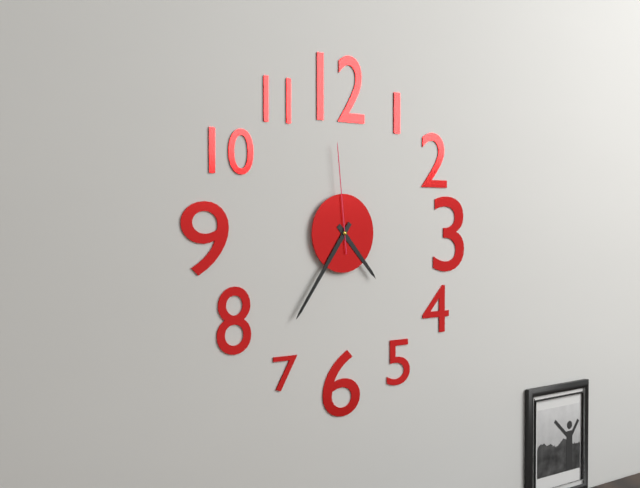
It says 4:36:59
